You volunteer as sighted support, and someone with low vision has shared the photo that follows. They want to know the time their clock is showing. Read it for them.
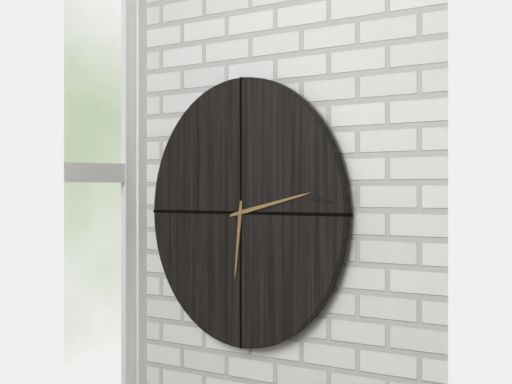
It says 6:13
